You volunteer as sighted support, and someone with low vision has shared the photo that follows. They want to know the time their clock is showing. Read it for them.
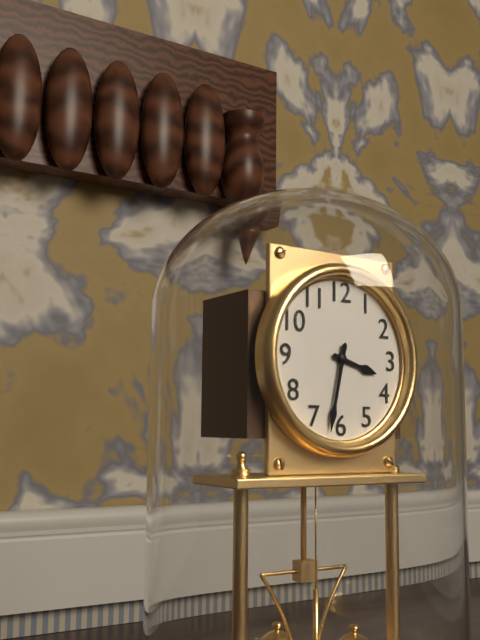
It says 3:32
